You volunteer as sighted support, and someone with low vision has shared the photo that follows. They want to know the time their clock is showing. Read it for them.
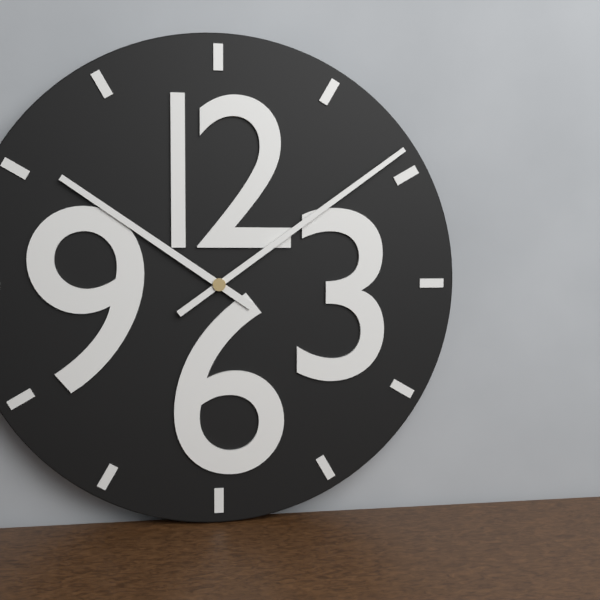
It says 10:09
